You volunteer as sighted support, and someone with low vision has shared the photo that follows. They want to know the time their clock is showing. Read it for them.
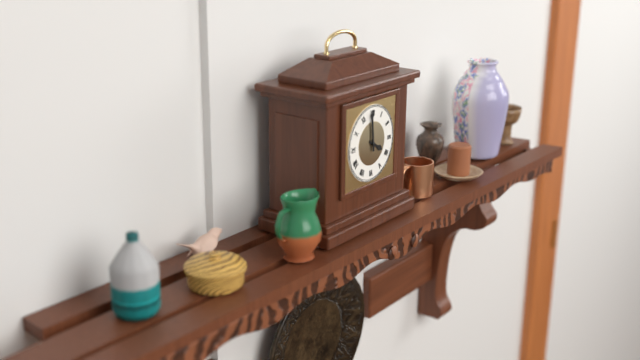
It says 3:59
